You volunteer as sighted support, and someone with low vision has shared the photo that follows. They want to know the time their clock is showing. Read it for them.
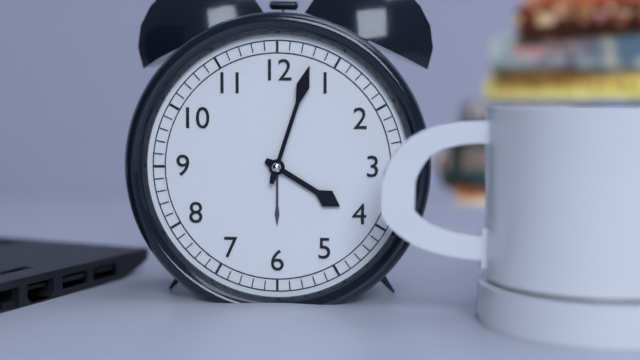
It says 4:03
